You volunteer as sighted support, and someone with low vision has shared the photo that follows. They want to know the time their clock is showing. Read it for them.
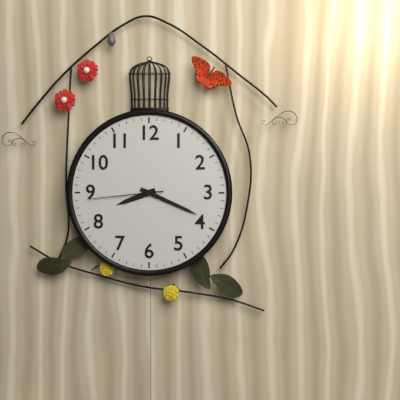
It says 8:19:44
